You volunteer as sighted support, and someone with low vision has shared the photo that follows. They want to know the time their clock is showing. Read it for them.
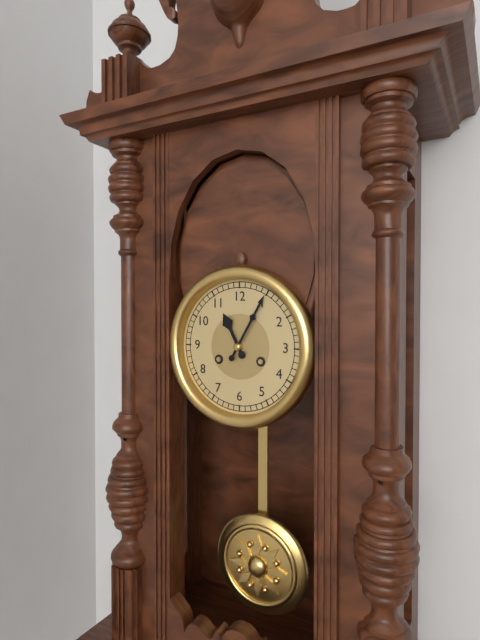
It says 11:05
